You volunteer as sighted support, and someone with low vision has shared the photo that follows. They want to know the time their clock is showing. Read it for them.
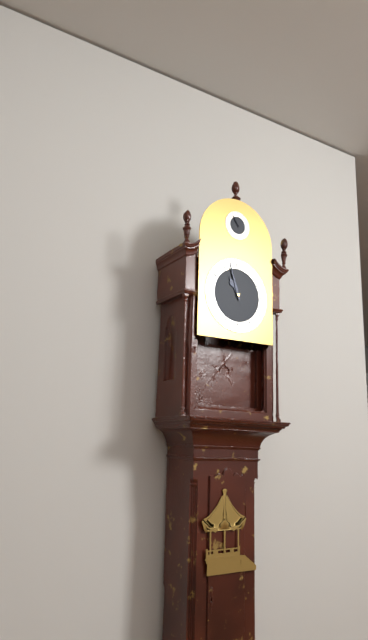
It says 10:57
